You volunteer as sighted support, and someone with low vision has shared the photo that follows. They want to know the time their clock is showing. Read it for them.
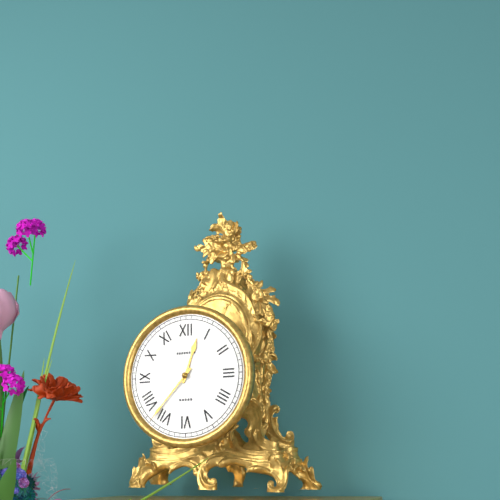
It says 12:37
